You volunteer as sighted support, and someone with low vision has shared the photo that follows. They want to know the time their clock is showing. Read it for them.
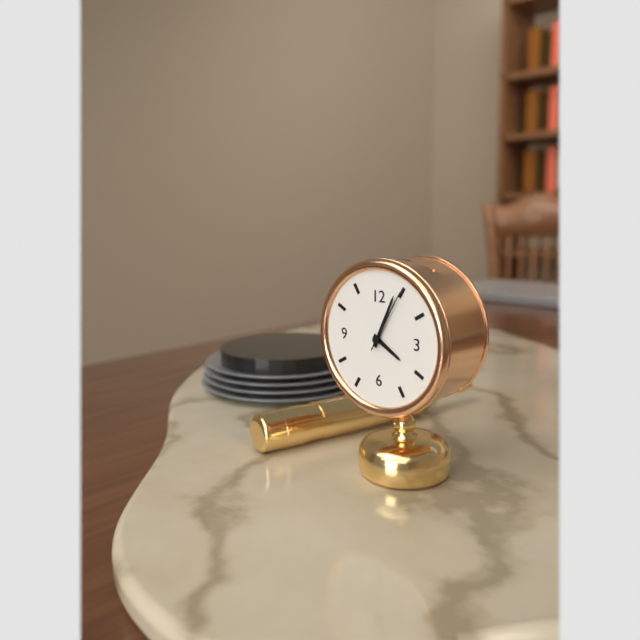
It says 4:04:05
